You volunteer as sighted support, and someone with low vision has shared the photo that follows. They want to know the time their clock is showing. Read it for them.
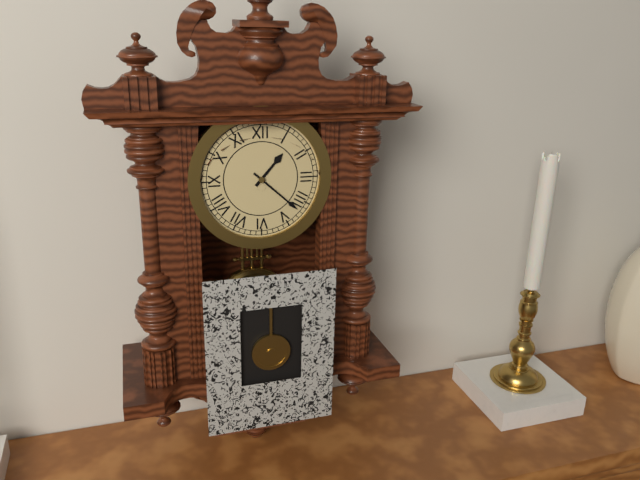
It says 1:22
